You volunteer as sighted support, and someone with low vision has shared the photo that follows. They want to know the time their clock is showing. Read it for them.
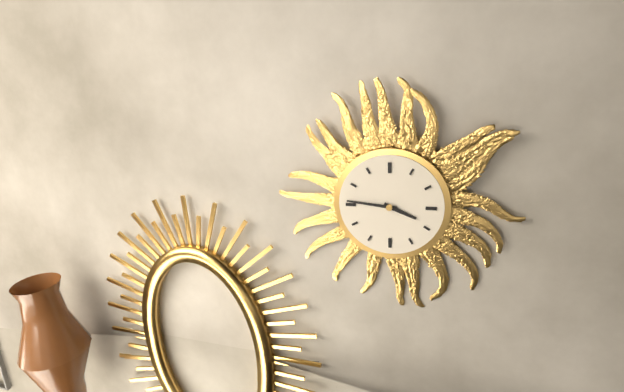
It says 3:46
